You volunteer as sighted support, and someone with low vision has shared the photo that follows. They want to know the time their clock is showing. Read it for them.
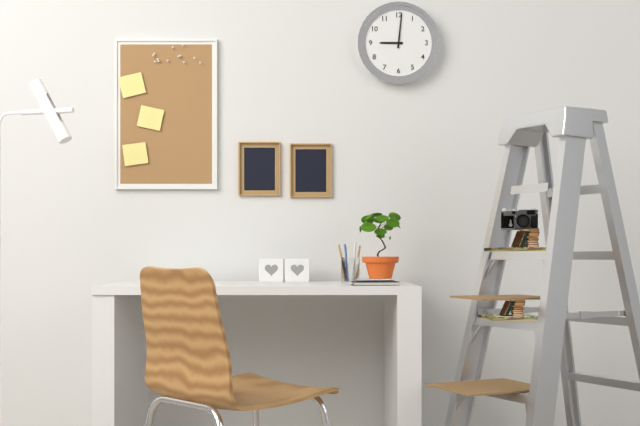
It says 9:01
